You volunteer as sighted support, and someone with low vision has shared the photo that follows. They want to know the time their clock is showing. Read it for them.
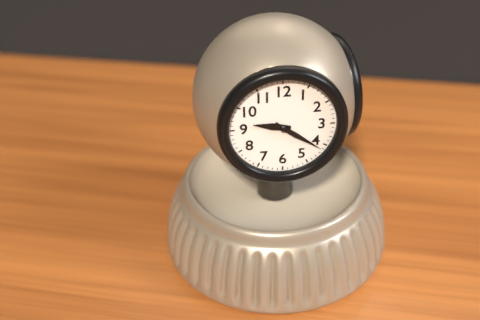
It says 9:21
